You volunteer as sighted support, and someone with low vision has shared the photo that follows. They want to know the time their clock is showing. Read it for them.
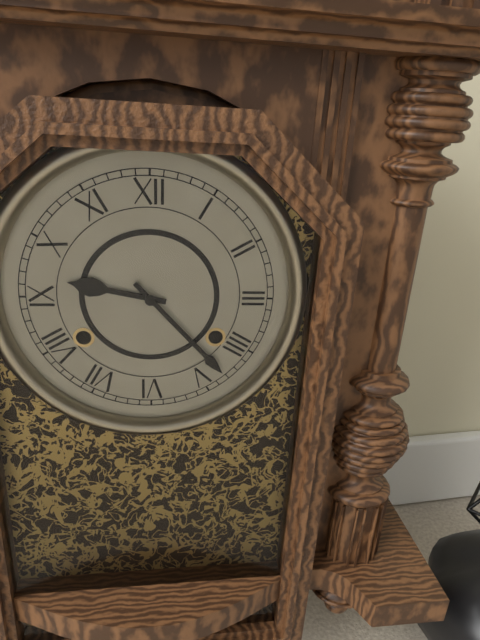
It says 9:23
